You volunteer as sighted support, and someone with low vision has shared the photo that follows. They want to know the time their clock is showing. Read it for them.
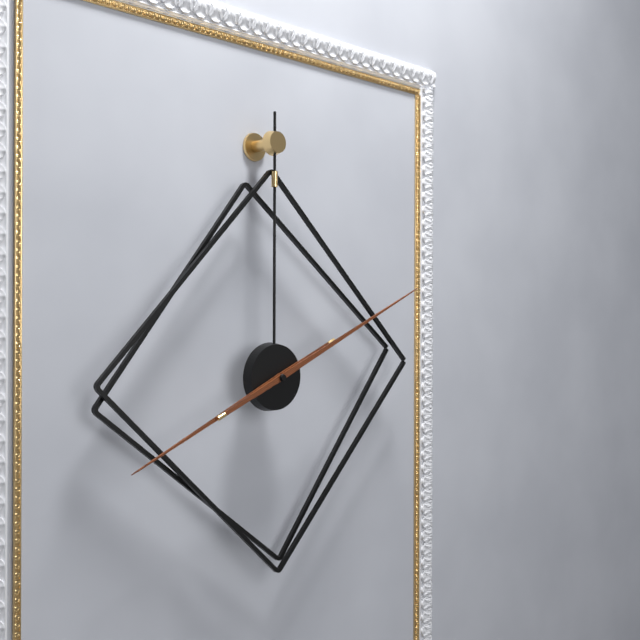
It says 8:11
